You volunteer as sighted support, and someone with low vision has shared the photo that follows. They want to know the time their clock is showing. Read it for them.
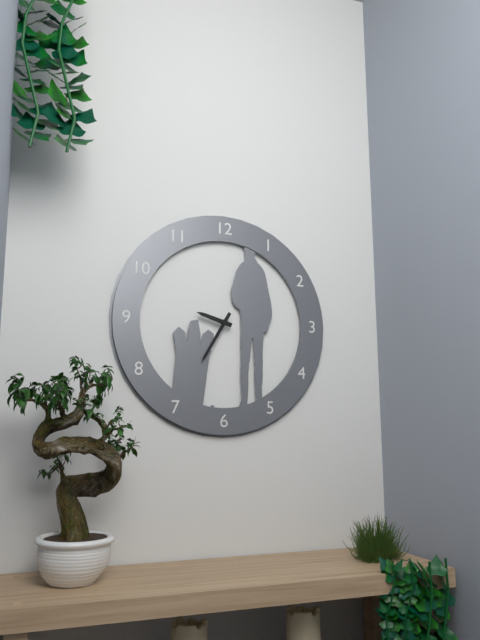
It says 9:35
